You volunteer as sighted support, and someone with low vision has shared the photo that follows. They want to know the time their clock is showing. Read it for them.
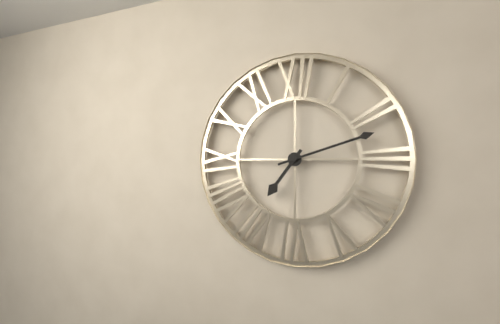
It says 7:12
